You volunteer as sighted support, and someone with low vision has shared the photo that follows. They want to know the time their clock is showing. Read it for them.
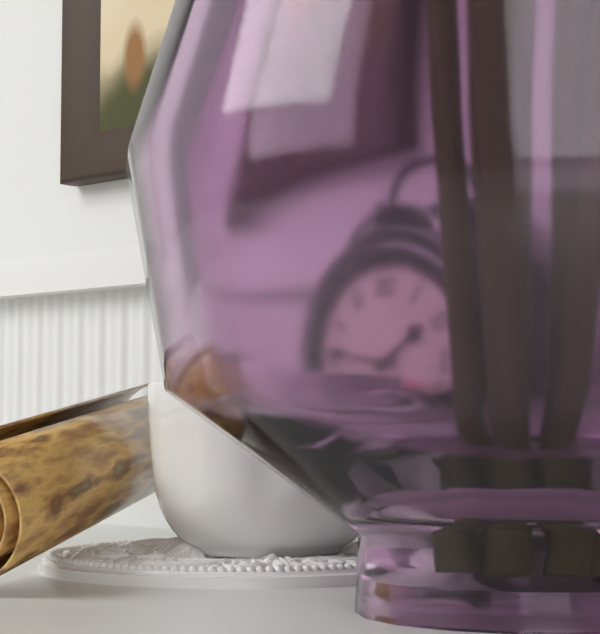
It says 1:46
